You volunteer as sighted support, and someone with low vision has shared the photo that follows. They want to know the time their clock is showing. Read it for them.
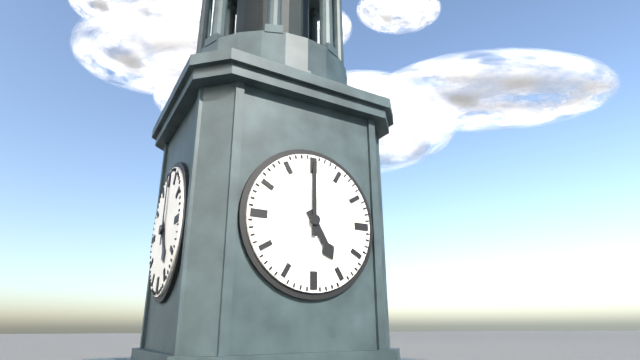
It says 5:00
